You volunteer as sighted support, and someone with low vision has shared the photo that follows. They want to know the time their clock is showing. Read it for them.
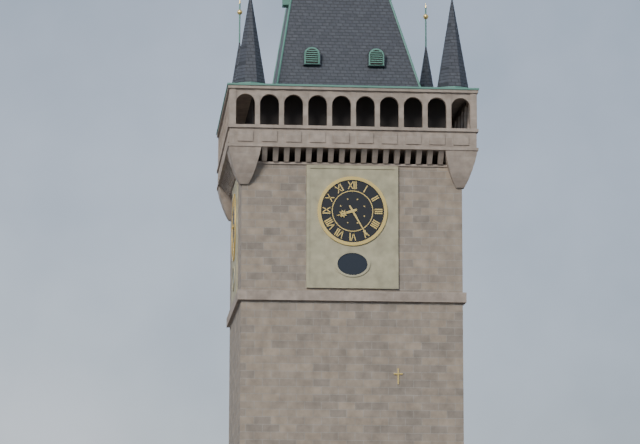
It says 8:25
